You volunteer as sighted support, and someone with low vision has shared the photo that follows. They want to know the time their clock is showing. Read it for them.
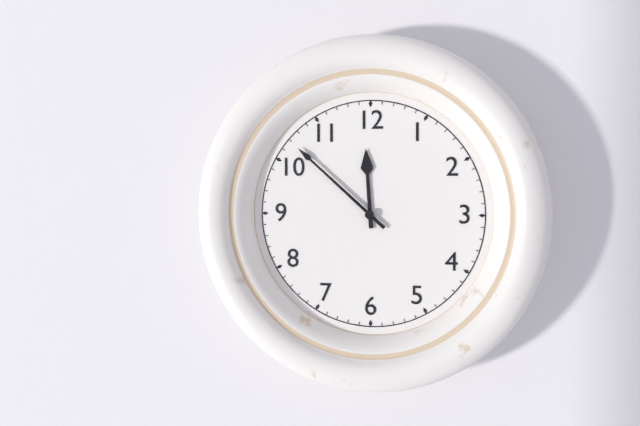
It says 11:52
